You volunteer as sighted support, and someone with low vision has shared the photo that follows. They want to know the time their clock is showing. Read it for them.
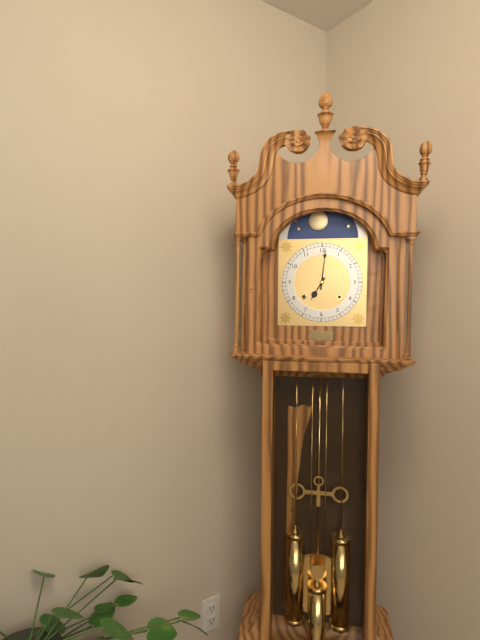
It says 7:01
